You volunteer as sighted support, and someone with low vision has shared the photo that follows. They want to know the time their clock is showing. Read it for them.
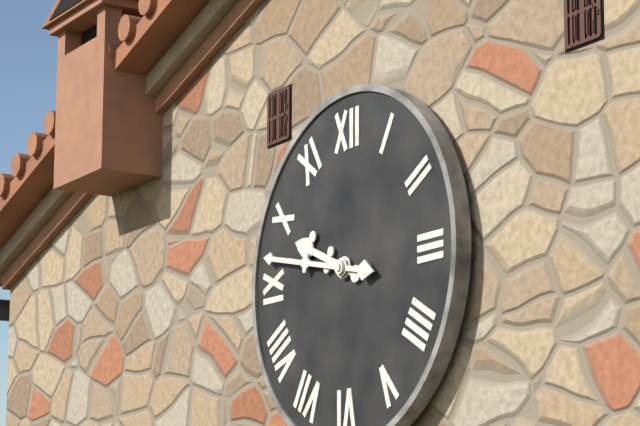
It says 9:47
